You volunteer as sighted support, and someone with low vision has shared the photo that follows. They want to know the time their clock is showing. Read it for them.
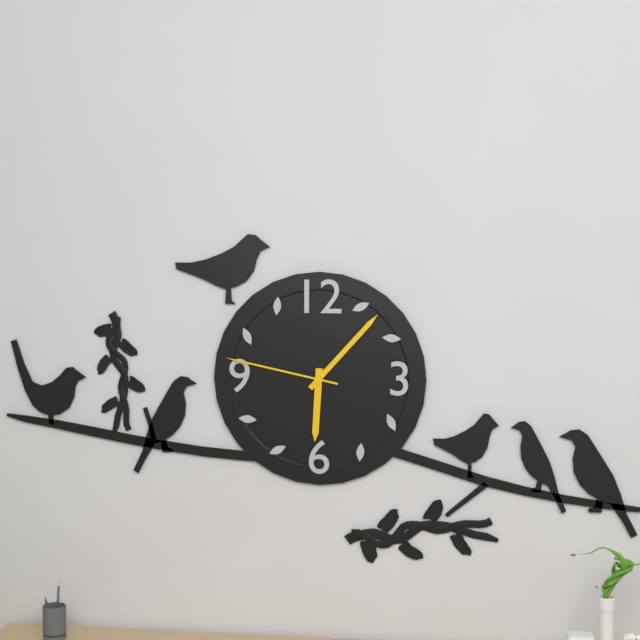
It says 6:07:47
